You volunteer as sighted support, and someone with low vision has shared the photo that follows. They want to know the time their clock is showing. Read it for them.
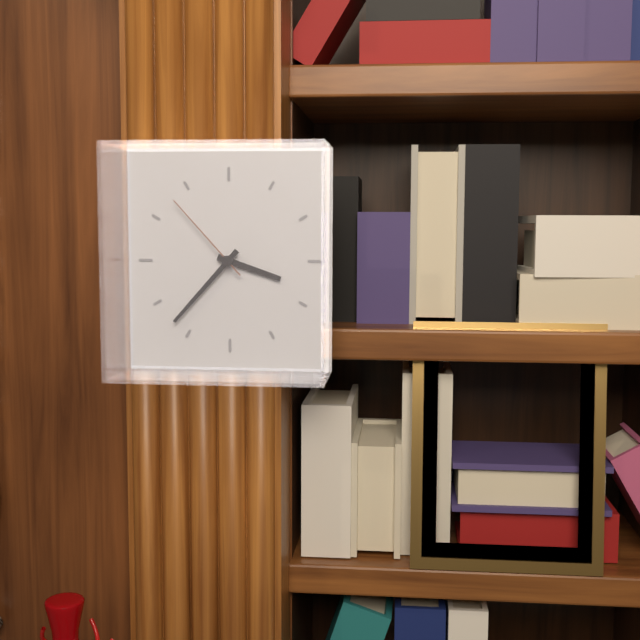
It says 3:37:53
